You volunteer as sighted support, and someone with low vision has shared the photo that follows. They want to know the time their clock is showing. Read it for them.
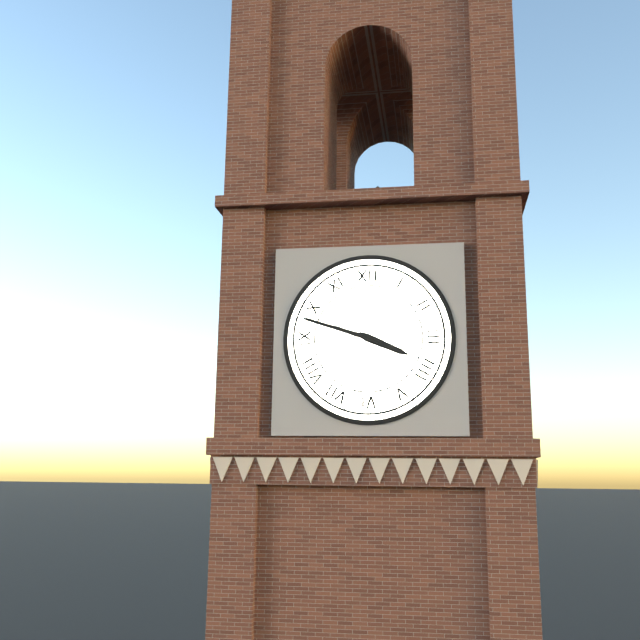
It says 3:48
